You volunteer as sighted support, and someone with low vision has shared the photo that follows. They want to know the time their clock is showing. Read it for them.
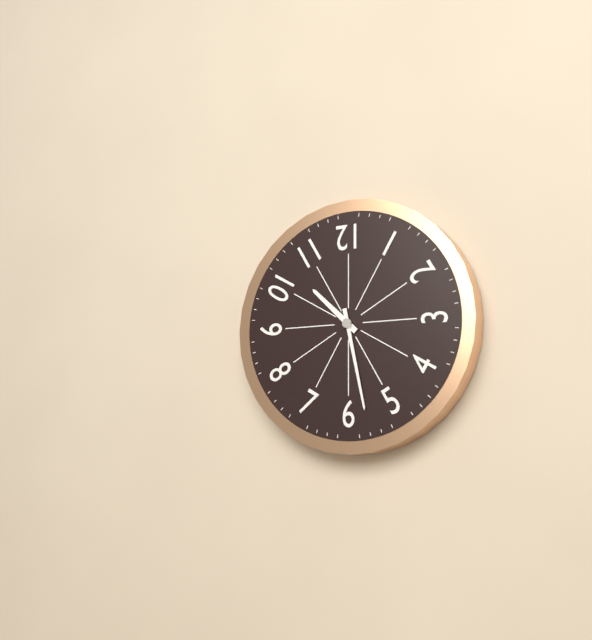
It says 10:28
